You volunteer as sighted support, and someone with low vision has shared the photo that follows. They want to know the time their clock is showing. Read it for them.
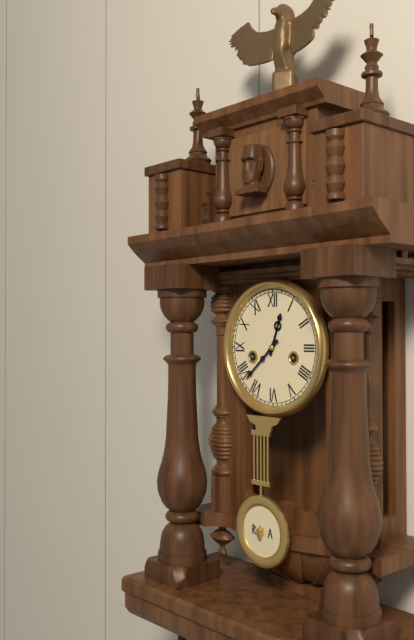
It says 12:38
